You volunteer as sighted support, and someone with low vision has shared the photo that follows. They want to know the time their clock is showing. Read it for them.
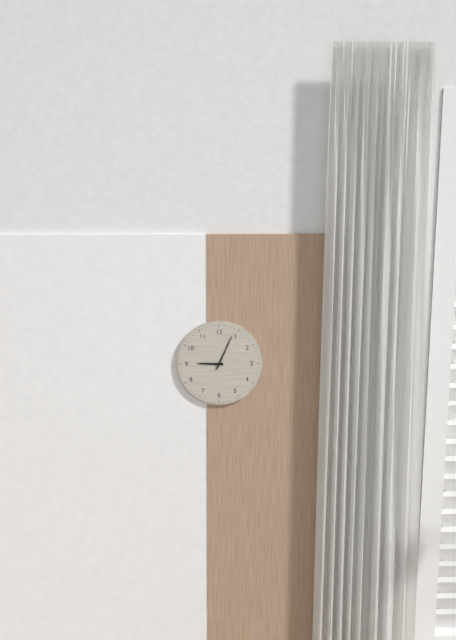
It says 9:04
